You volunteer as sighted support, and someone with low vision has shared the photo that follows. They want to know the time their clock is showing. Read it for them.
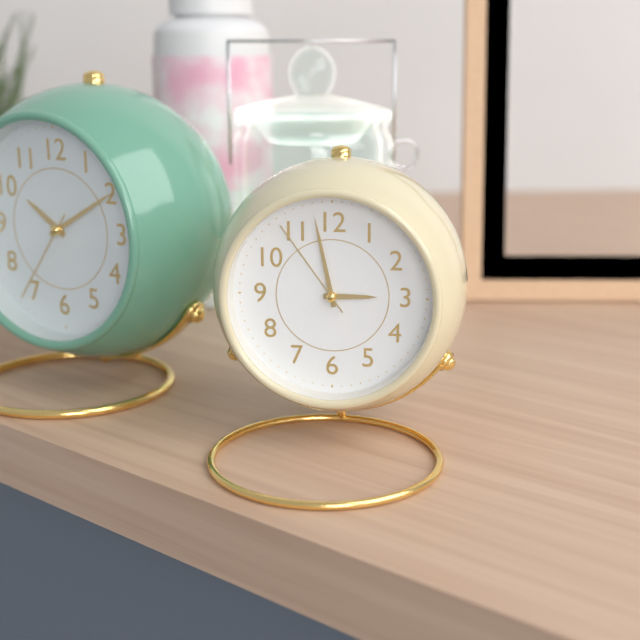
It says 2:58:54
